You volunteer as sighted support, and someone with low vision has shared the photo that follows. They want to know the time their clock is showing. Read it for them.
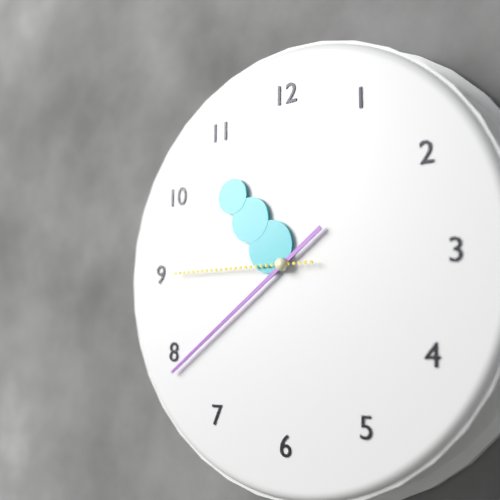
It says 10:39:45
